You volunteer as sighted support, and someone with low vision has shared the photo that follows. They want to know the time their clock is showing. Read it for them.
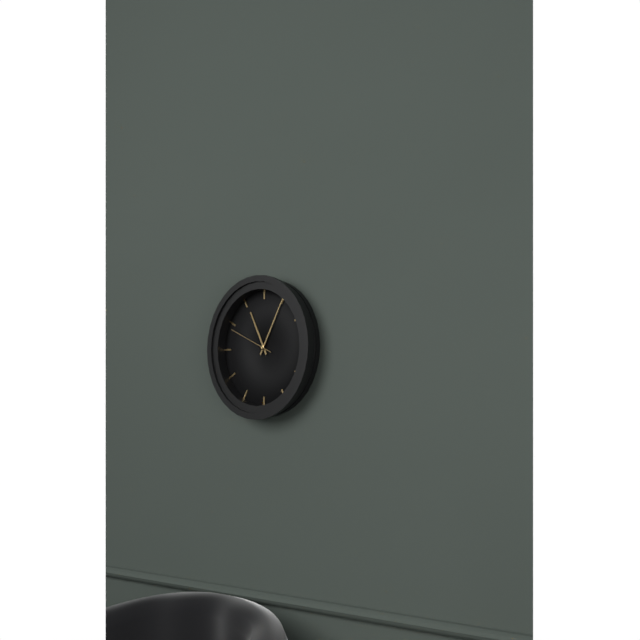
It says 11:05
